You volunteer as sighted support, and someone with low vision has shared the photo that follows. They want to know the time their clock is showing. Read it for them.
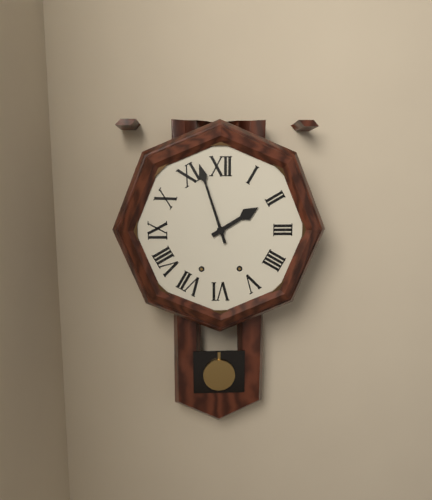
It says 1:57
